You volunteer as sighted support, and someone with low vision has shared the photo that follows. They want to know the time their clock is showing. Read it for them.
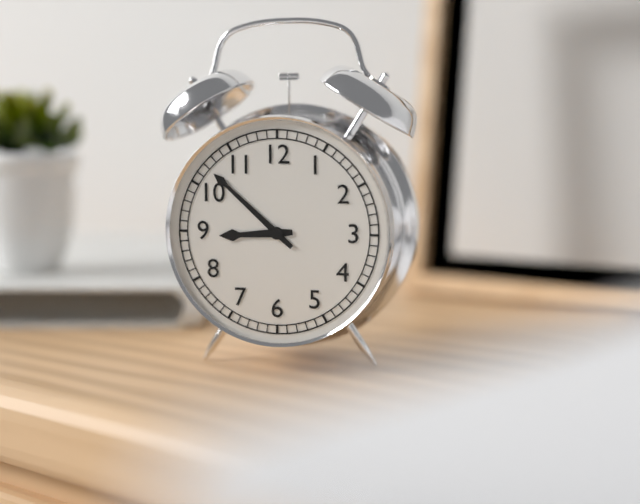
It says 8:52
